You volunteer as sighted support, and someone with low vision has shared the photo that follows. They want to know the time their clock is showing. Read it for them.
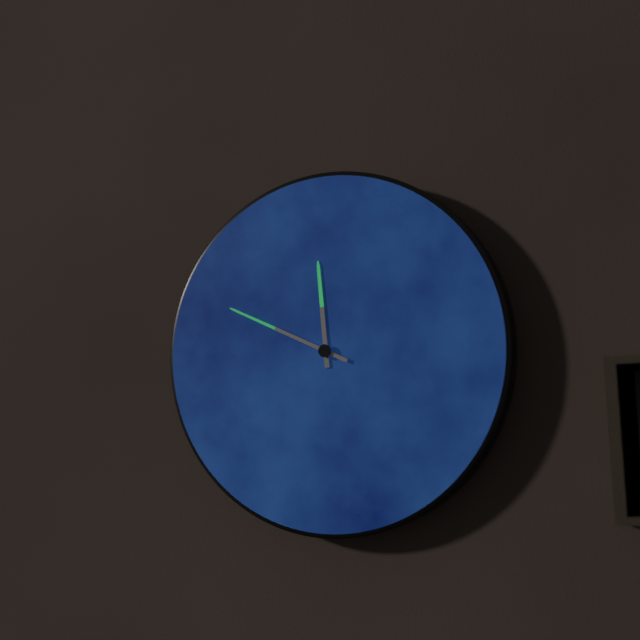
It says 11:49
